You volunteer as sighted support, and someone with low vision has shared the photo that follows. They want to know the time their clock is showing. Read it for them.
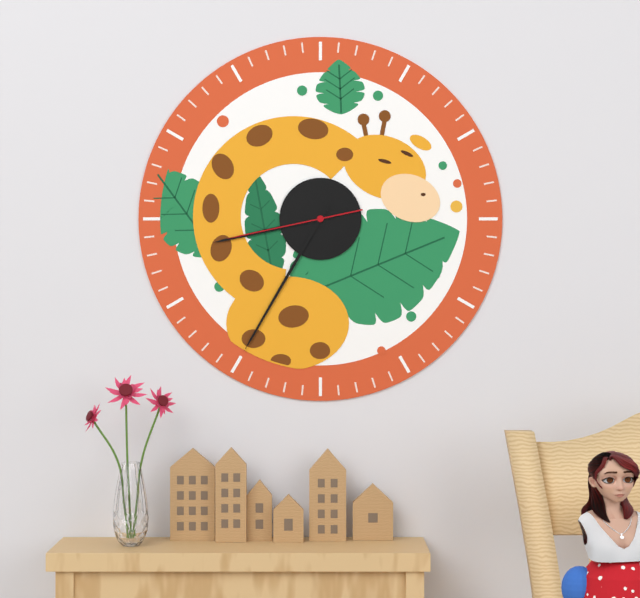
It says 8:35:43
